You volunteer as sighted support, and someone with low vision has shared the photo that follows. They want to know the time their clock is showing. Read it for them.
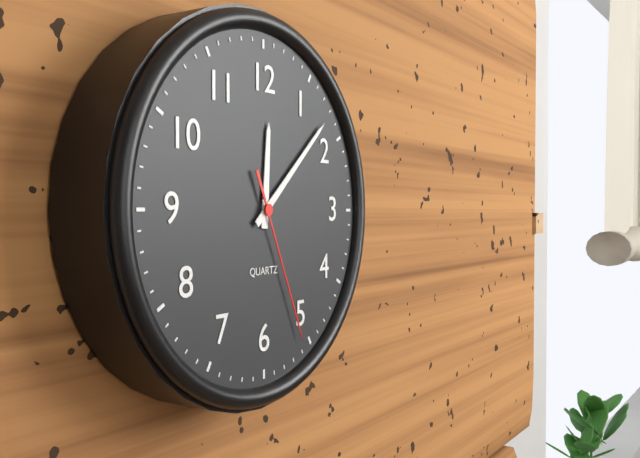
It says 12:08:26
